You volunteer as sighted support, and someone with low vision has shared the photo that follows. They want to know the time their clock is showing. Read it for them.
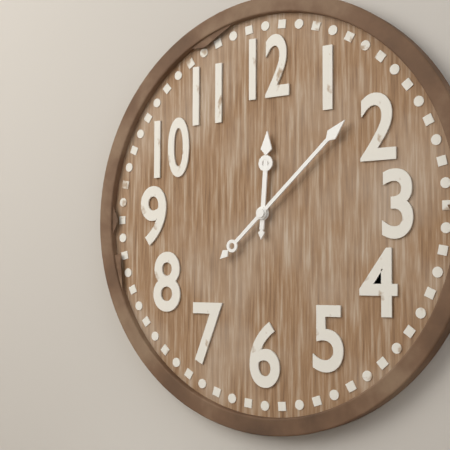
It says 12:08
